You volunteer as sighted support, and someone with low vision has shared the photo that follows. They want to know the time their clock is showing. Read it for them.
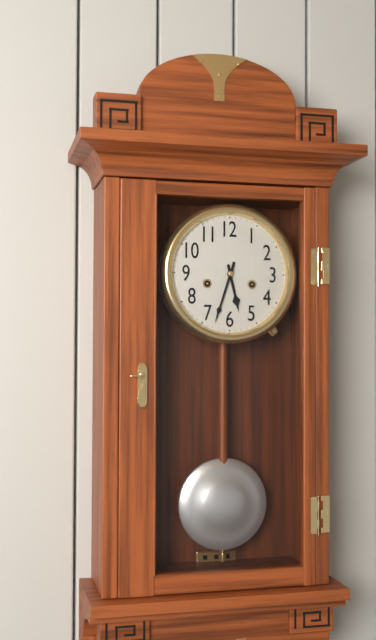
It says 5:33
